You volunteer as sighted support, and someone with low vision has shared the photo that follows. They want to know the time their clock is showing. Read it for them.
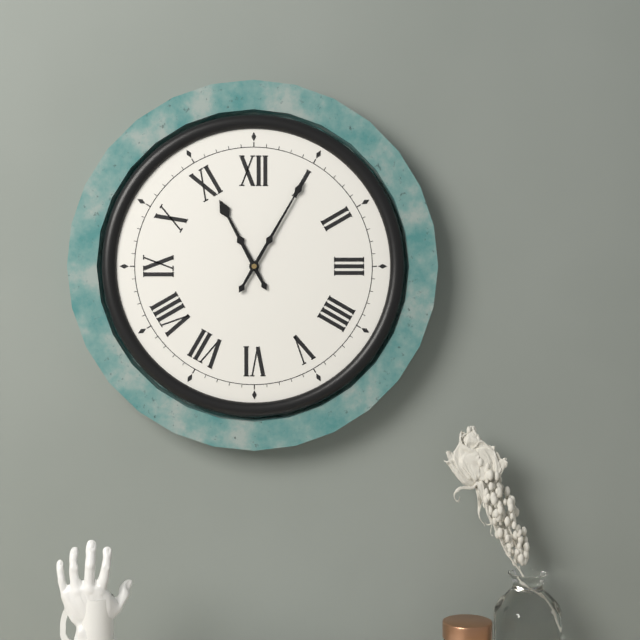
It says 11:05
